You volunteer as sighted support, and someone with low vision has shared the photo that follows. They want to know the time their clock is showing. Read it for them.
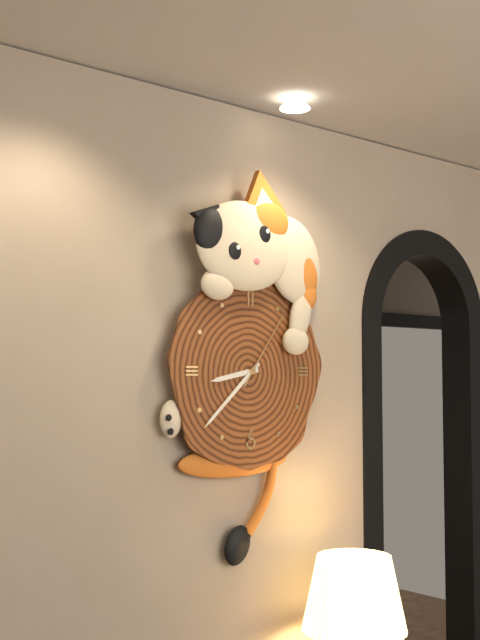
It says 8:38:06
